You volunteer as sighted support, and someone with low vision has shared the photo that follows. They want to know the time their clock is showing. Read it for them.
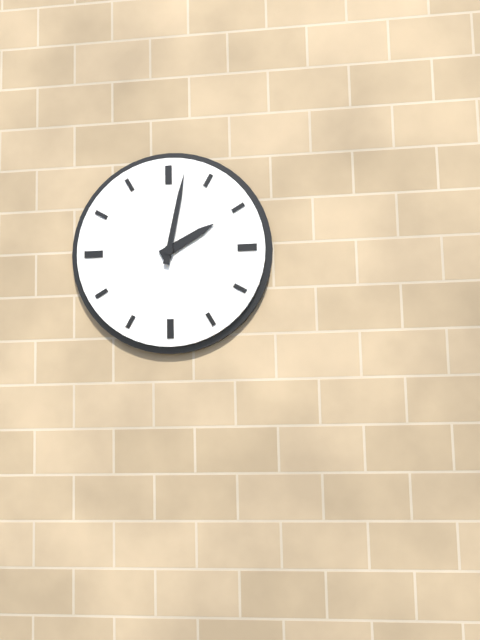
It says 2:02
